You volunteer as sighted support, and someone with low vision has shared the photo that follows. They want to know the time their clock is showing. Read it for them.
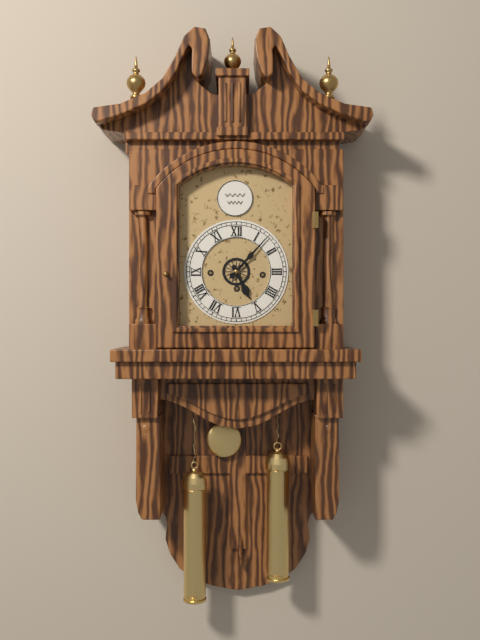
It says 5:07
